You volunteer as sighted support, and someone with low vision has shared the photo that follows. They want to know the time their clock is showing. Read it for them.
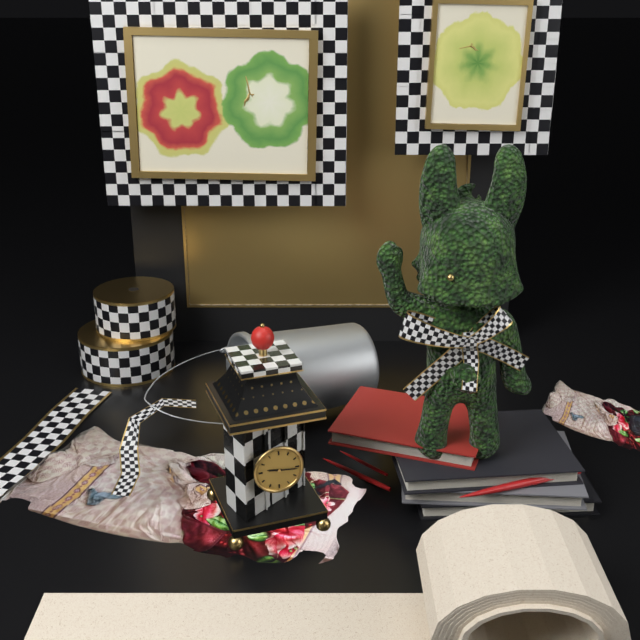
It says 9:16
